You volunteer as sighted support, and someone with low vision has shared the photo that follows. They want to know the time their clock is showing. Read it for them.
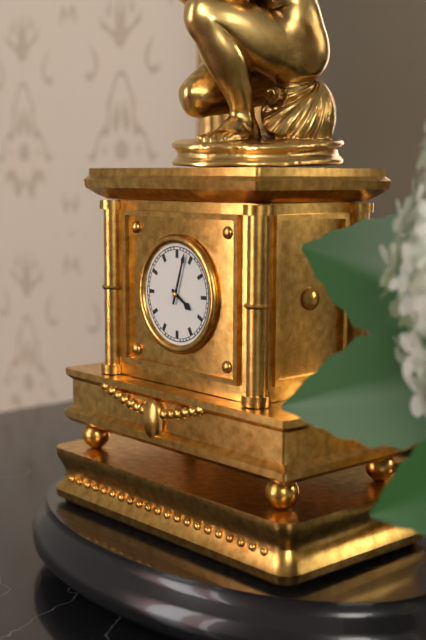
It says 4:03
